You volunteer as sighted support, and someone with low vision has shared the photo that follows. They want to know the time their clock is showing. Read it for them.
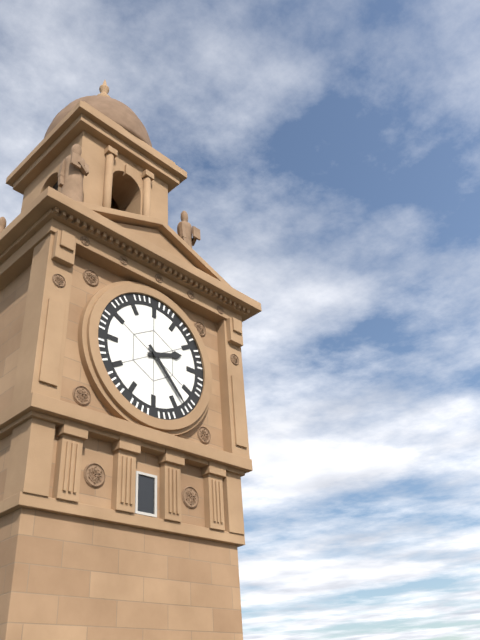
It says 2:23
